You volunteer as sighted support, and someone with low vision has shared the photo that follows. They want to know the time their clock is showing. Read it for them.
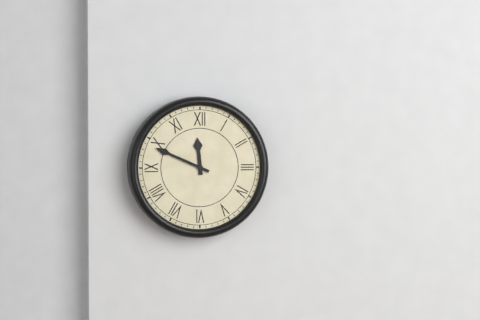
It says 11:49
